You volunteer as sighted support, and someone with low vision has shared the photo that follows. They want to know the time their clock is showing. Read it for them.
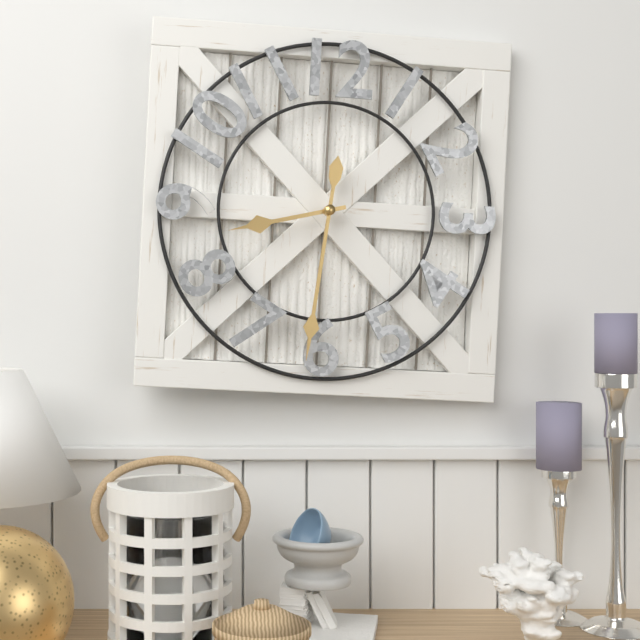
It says 8:31
